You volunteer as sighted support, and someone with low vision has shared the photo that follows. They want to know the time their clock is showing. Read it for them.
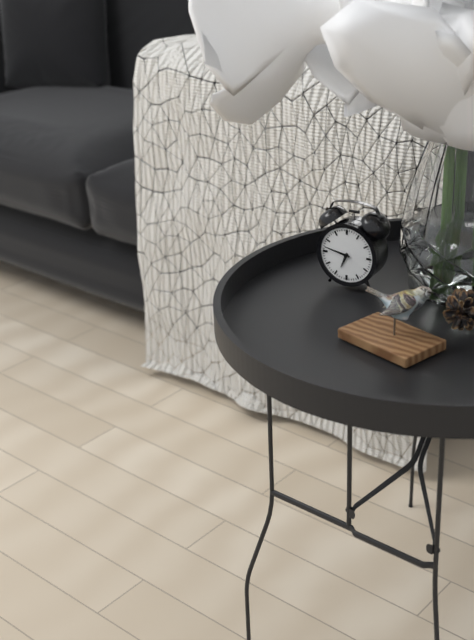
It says 6:47
